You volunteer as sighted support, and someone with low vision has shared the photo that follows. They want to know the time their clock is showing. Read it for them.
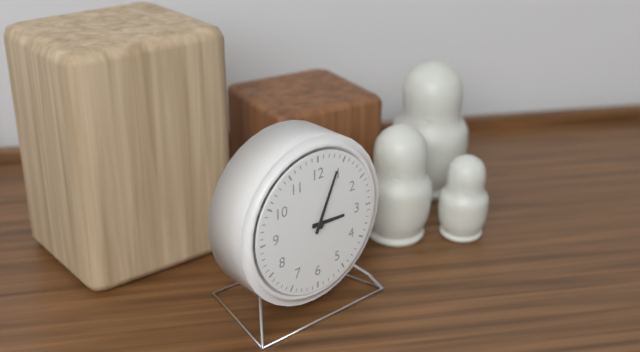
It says 3:04
